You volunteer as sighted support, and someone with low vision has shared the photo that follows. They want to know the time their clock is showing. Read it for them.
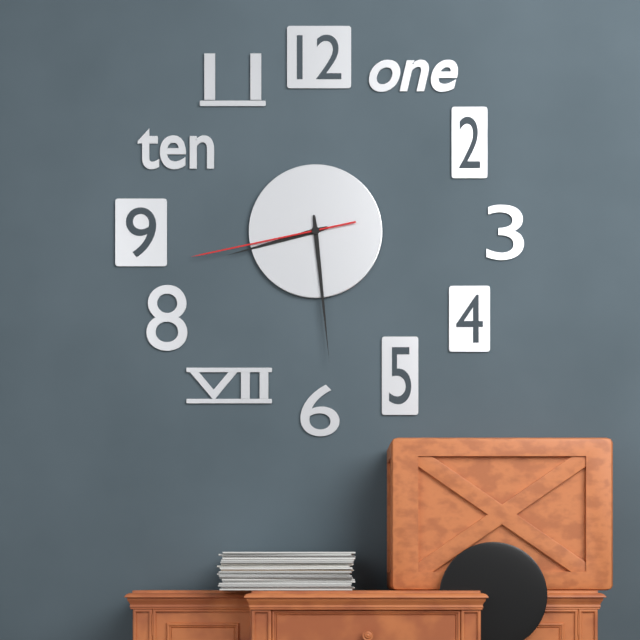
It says 8:29:43
